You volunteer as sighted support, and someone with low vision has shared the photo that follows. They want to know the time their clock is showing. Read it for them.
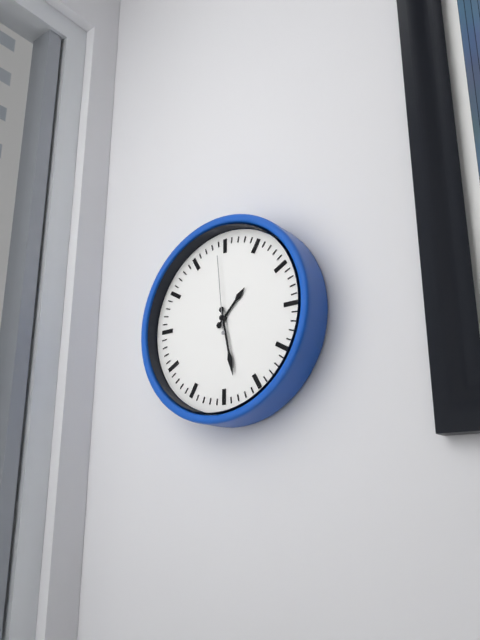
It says 1:28:59
